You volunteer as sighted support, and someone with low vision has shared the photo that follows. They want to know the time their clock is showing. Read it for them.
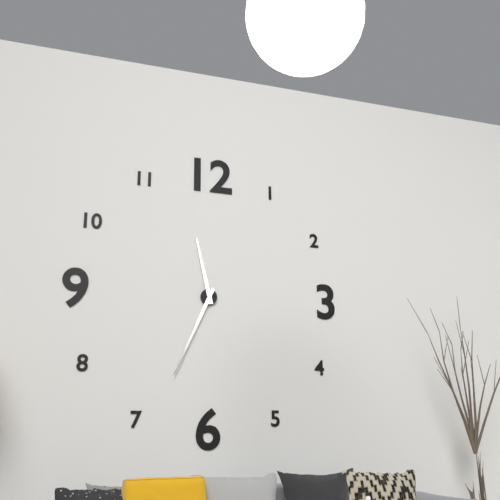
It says 11:34
